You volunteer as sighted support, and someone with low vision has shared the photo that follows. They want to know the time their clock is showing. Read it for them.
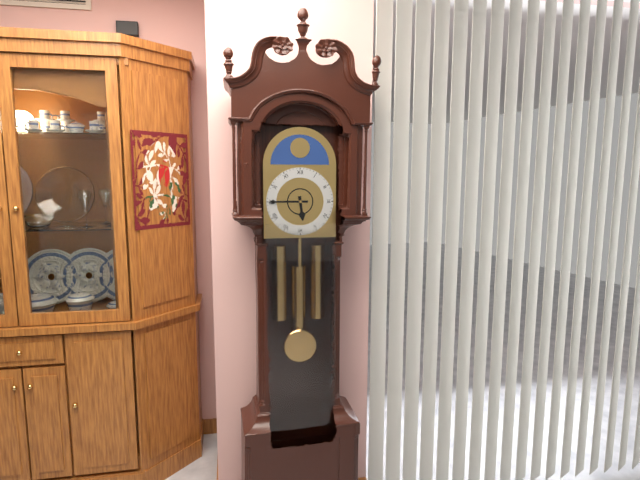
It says 5:45
